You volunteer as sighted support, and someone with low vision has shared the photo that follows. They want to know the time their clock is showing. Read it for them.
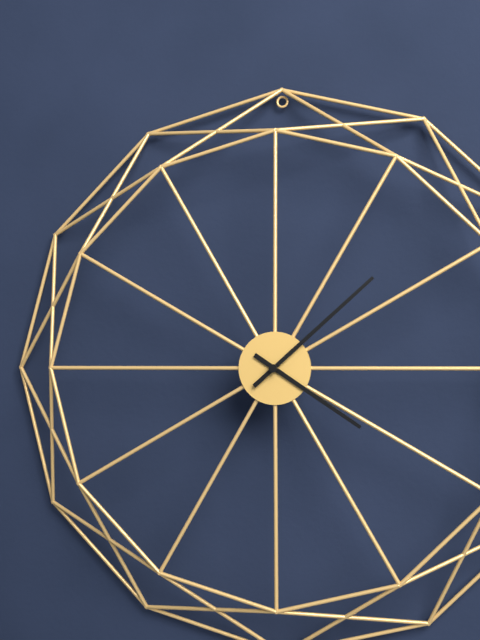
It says 4:08
